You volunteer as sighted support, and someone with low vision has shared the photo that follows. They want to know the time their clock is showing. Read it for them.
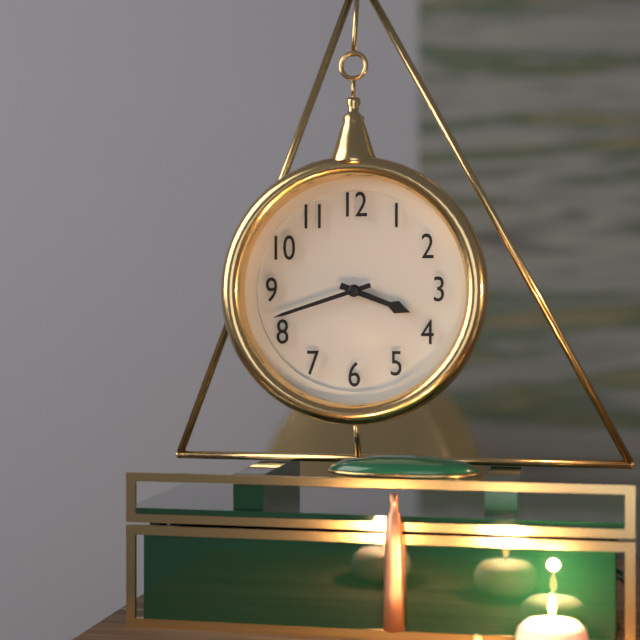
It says 3:42
